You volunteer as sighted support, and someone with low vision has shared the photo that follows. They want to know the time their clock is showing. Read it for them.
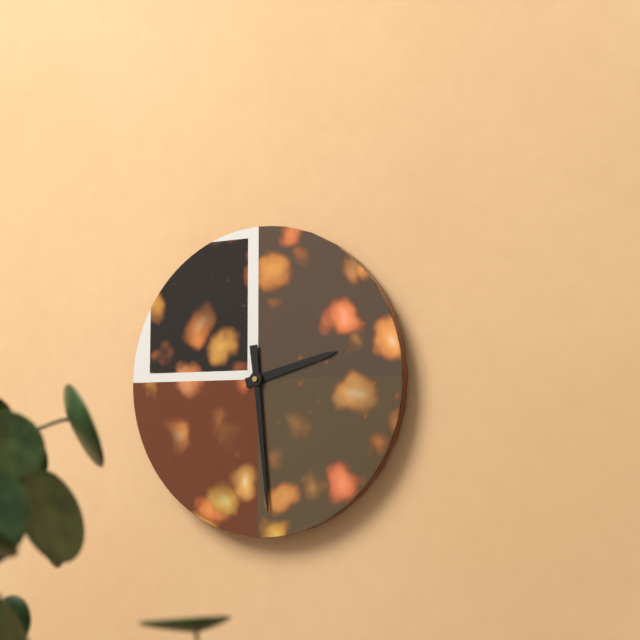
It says 2:29
